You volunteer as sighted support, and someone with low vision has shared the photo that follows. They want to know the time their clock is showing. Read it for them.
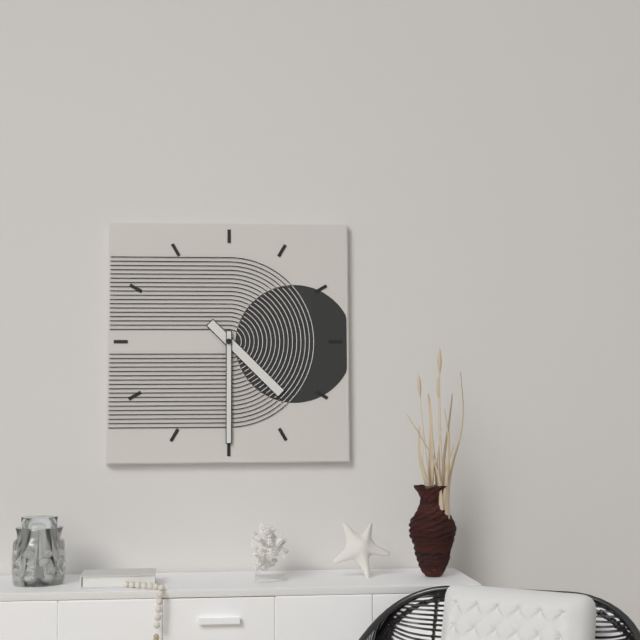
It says 4:30
